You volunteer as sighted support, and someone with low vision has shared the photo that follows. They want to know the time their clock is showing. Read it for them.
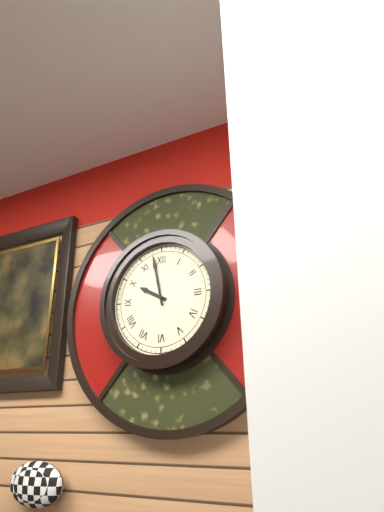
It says 9:58
